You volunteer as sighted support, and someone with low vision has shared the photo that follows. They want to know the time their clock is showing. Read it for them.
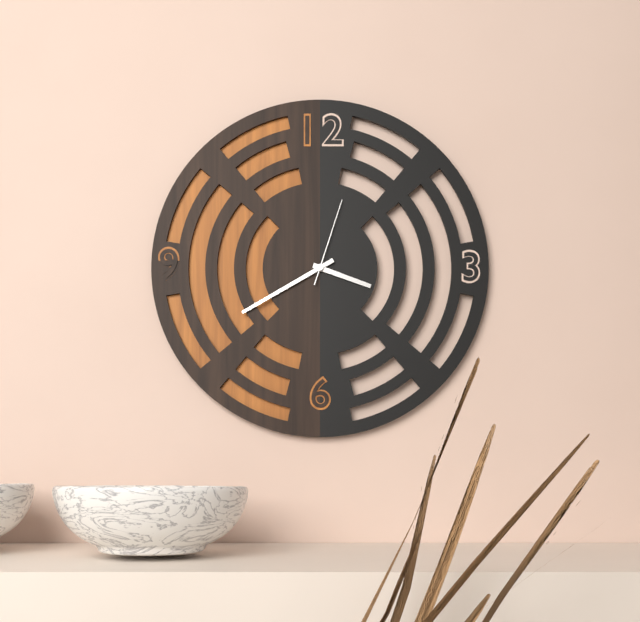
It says 3:40:03
